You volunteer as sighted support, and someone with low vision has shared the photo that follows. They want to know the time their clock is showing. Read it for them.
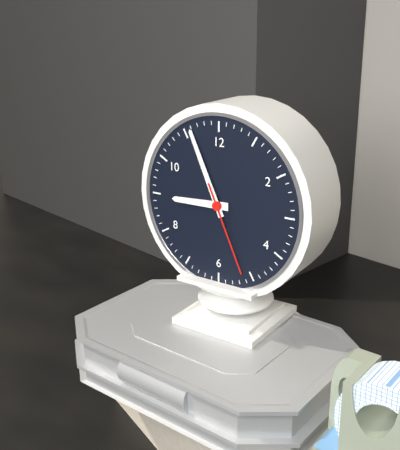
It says 8:56:26
